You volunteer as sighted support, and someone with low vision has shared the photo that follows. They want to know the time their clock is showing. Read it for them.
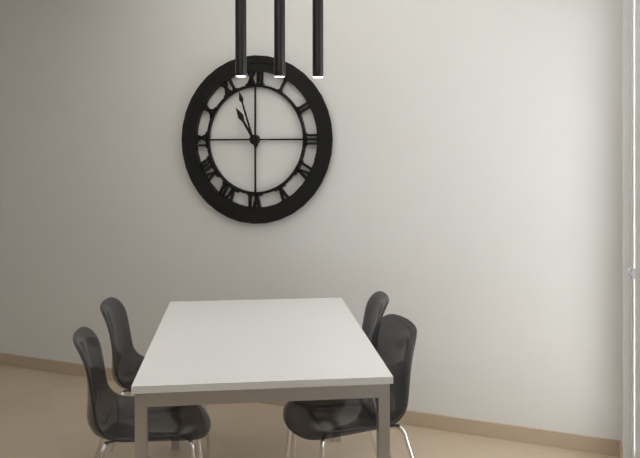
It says 10:57
